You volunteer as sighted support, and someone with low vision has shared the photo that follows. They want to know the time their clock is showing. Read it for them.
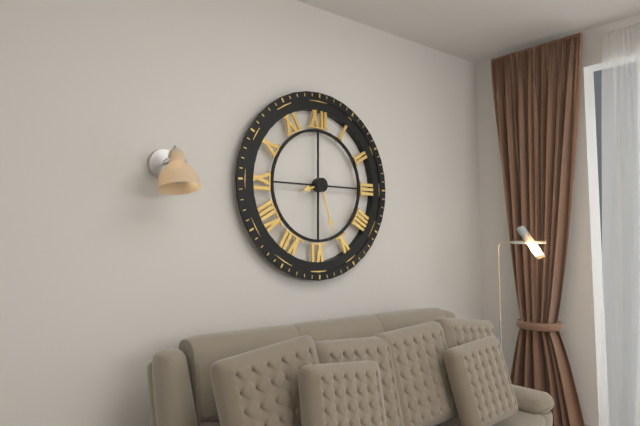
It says 8:27
